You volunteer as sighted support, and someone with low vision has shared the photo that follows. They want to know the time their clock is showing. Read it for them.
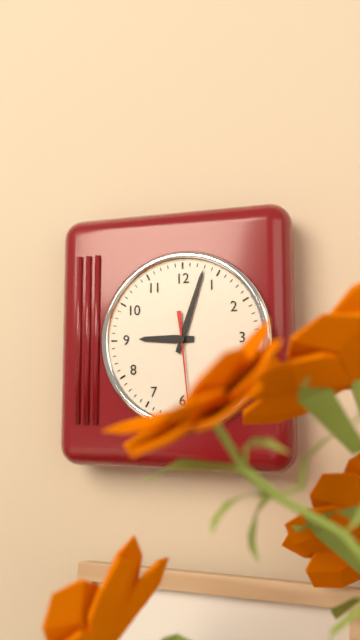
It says 9:03:29
